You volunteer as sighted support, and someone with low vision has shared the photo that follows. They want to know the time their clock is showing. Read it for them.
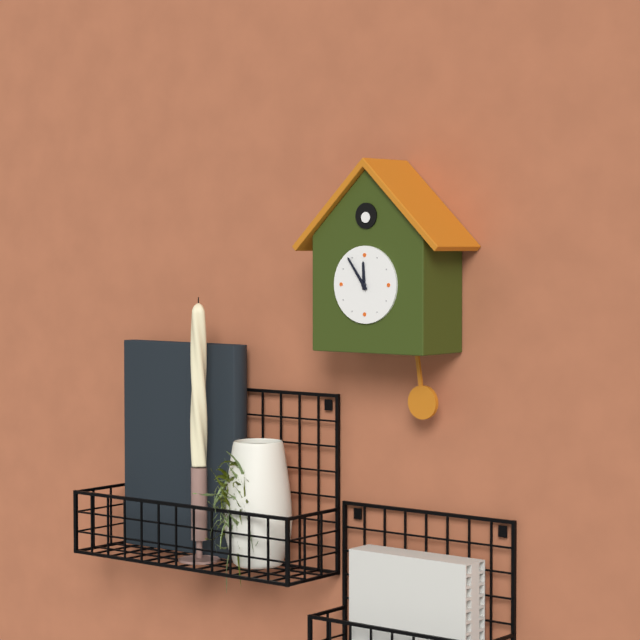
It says 11:54
